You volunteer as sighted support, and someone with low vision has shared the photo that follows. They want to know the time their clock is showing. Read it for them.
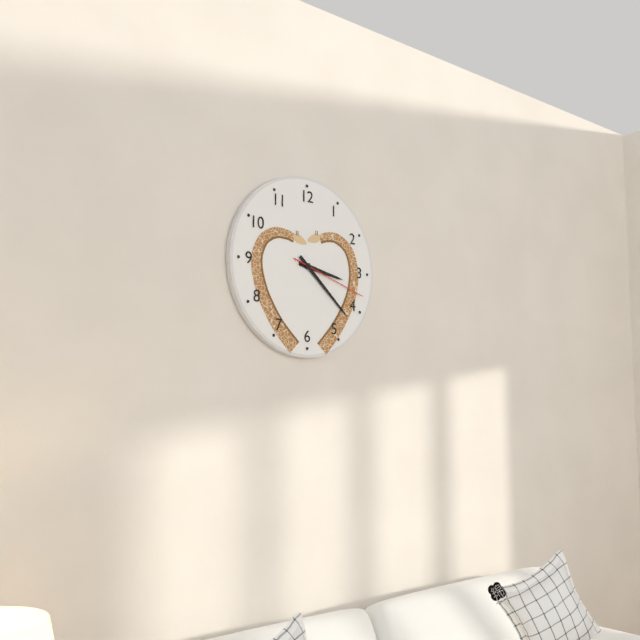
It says 3:22:18
